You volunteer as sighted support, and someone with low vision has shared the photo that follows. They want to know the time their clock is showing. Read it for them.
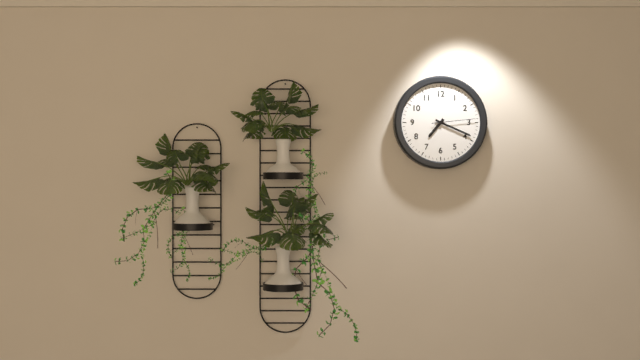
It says 7:19
